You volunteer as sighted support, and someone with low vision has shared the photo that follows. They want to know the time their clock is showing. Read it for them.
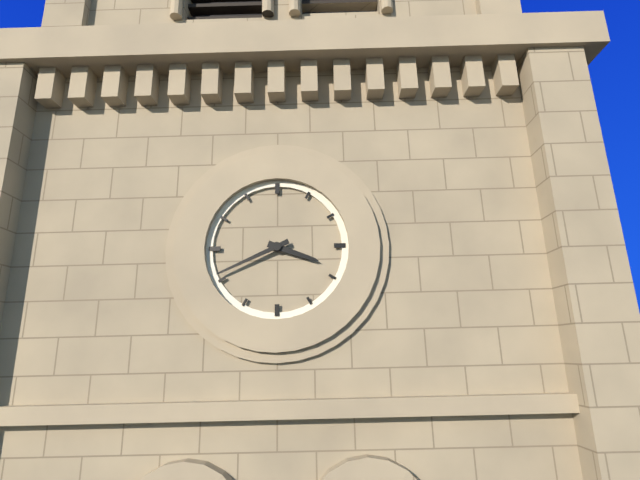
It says 3:41
